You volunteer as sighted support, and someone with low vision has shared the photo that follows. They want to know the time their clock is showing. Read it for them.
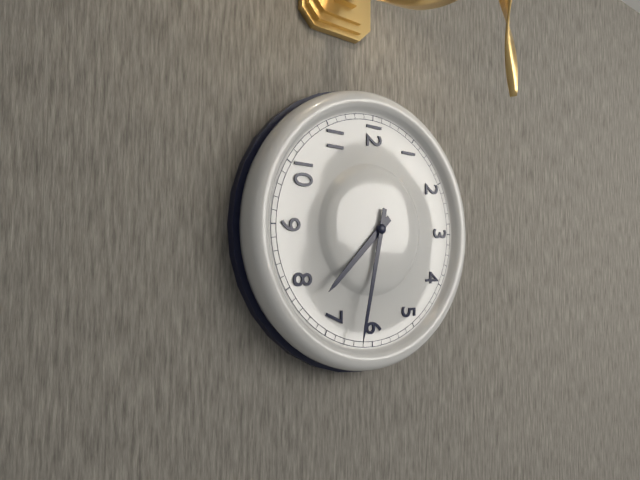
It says 7:32
